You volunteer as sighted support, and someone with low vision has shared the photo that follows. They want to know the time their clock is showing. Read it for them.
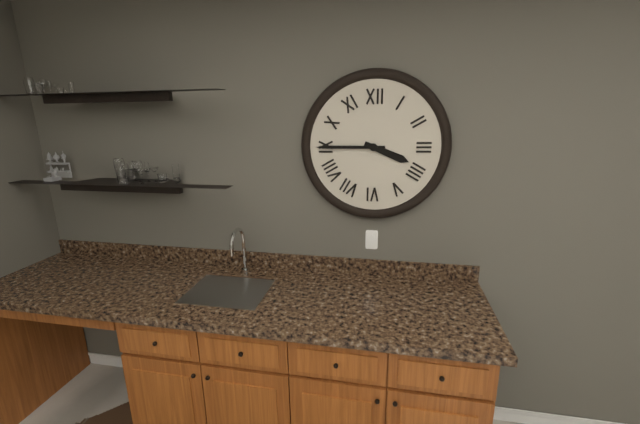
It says 3:45
